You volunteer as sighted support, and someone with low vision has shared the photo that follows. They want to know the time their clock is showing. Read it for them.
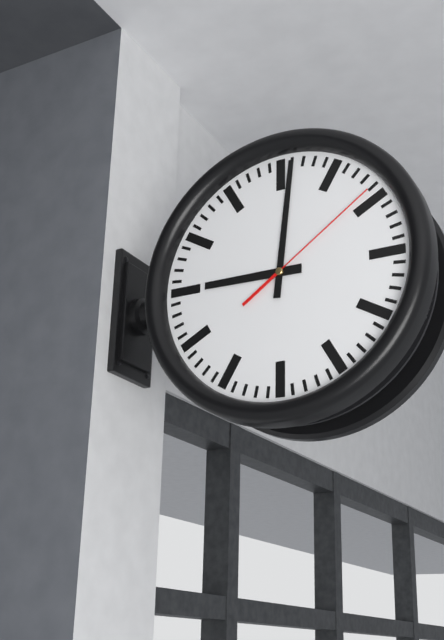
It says 9:01:09
